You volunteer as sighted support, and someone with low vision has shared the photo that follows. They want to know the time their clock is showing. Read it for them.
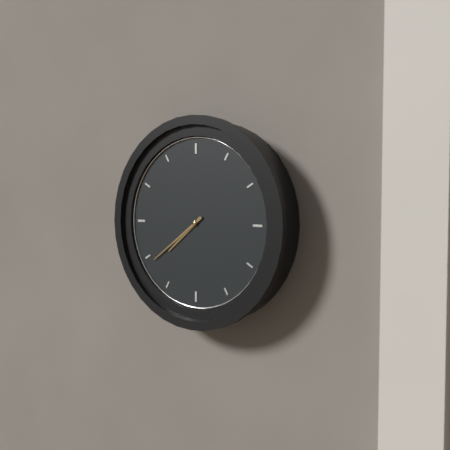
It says 7:39
